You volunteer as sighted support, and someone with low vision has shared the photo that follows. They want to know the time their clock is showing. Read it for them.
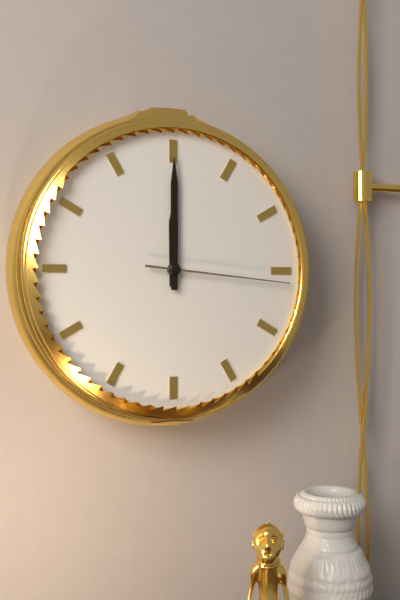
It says 12:00:16
